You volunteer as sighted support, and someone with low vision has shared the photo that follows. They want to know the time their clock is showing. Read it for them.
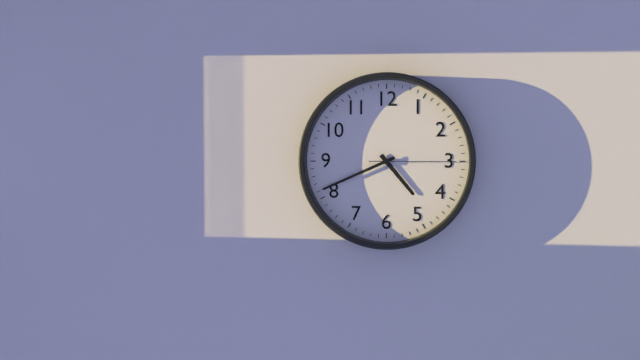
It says 4:41:15
